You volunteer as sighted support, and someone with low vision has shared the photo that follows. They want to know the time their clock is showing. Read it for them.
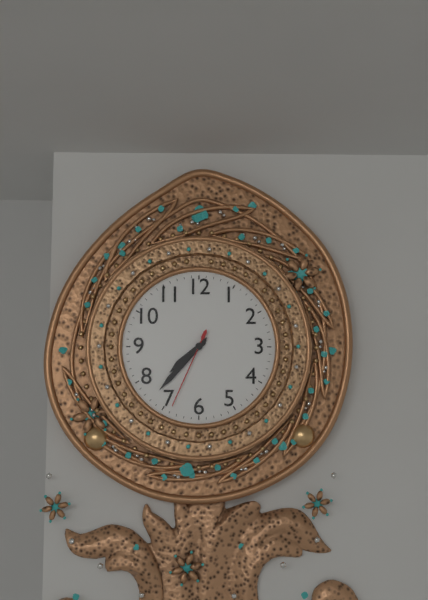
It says 7:37:34
